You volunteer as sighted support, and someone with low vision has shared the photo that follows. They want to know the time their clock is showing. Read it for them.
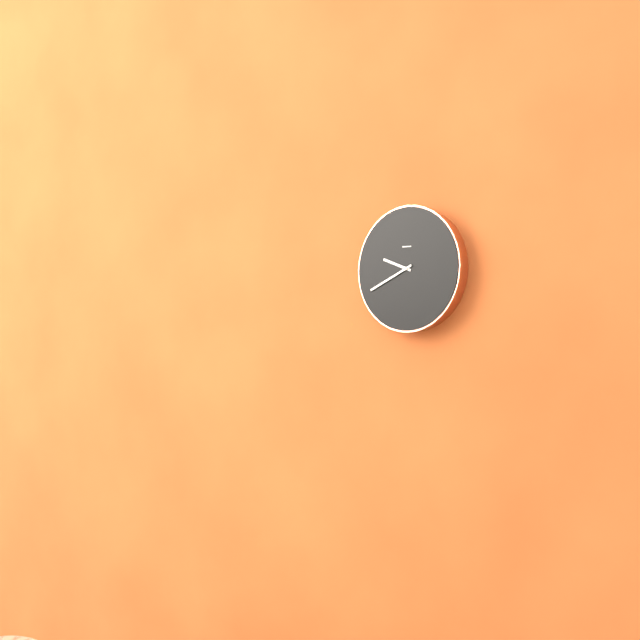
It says 9:41
